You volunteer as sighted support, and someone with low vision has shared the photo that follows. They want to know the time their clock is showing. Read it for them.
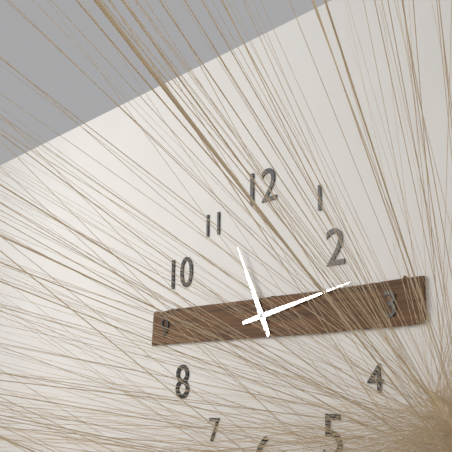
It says 11:13
